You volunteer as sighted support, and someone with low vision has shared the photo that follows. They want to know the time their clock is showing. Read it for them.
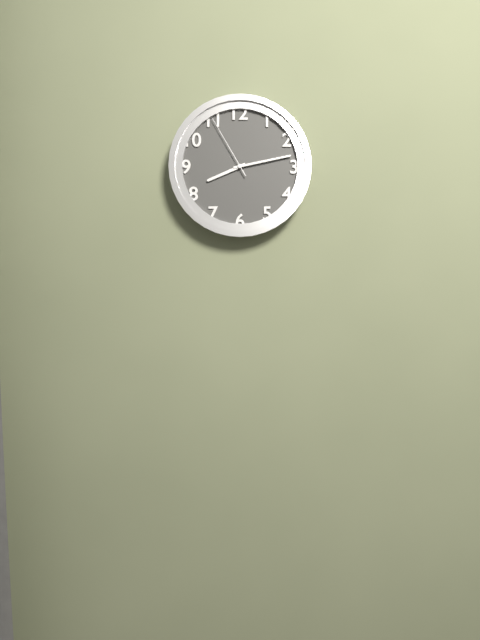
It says 8:13:55
